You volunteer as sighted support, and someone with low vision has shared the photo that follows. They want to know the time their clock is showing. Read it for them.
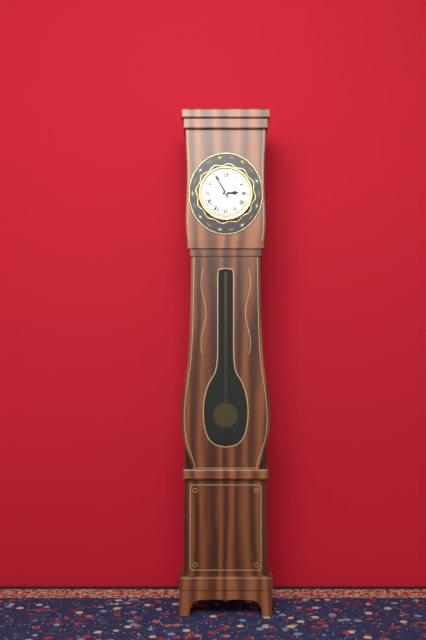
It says 2:55
